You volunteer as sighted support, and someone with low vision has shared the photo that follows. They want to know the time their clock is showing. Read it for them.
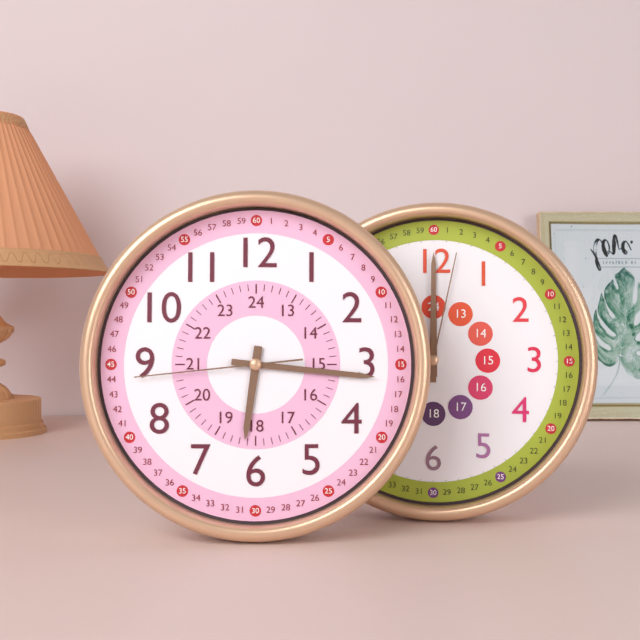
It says 6:16:44
